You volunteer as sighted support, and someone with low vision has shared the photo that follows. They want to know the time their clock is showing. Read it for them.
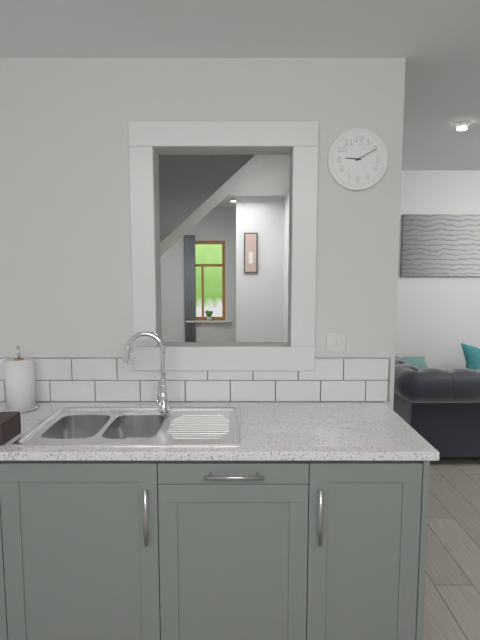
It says 9:10
